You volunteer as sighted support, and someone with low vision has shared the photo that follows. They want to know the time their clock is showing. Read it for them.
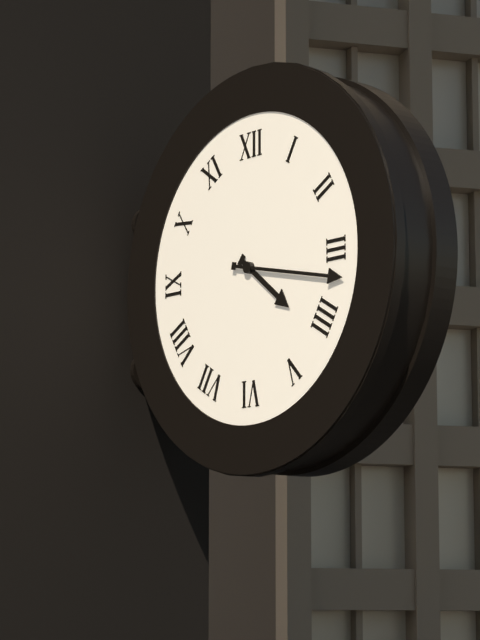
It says 4:17
